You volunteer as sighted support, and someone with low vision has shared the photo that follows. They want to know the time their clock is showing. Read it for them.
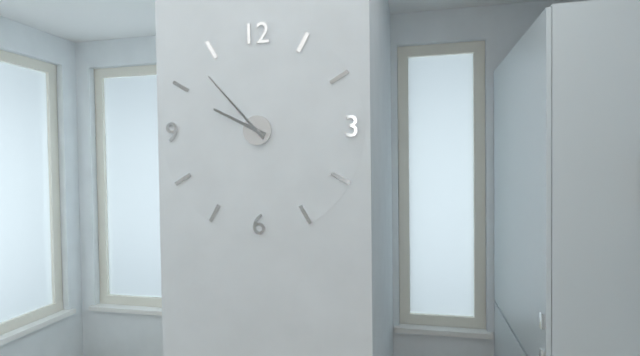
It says 9:53
